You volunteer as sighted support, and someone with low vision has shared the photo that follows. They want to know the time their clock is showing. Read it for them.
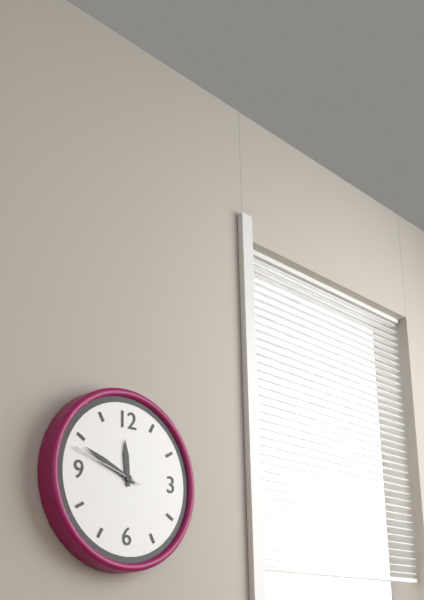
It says 11:49:48
